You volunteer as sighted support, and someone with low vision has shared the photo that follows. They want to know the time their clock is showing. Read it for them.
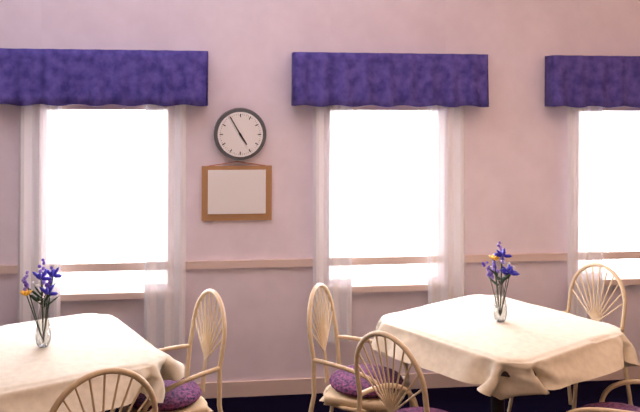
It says 4:55
